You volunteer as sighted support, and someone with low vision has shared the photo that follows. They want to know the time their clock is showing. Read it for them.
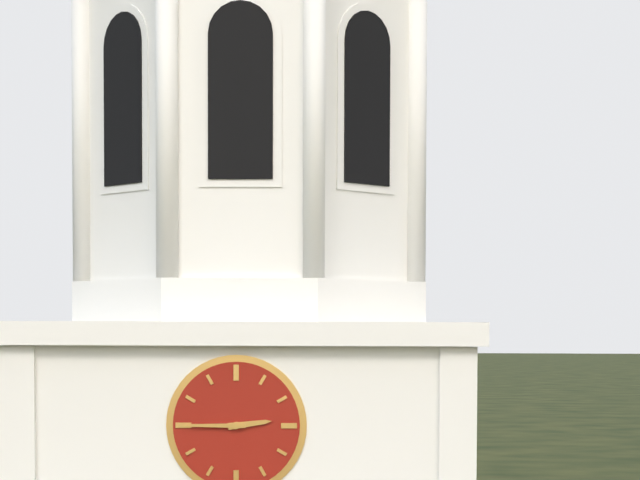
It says 2:45
